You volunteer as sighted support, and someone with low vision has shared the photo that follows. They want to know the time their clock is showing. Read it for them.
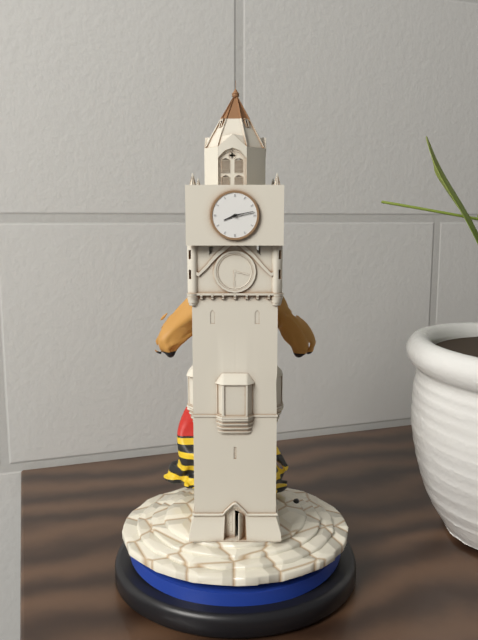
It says 8:13
